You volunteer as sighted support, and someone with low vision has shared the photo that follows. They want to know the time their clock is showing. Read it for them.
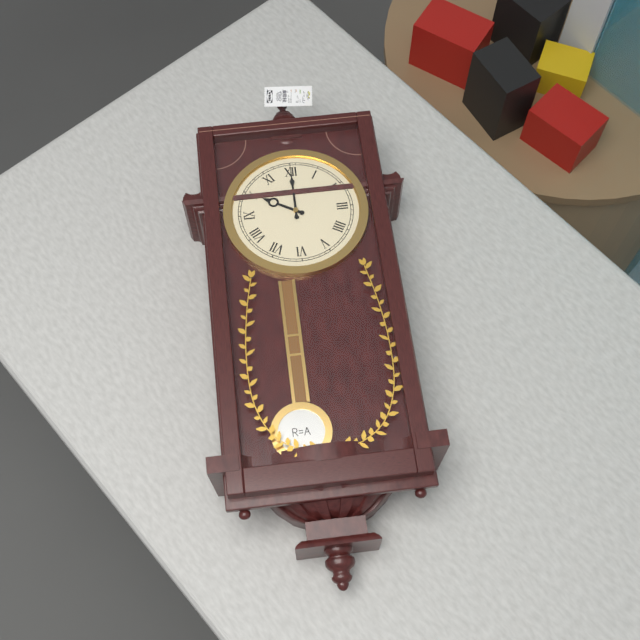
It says 10:00
